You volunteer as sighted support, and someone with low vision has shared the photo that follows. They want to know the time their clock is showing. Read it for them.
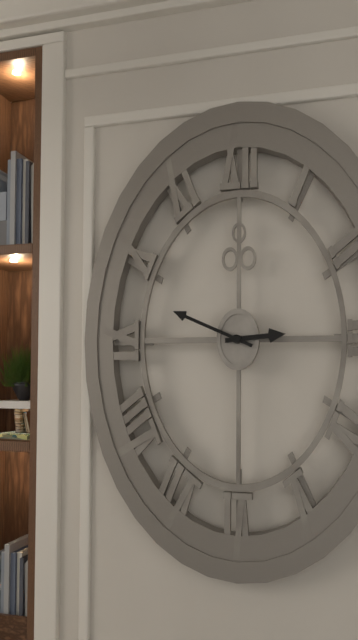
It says 2:49
